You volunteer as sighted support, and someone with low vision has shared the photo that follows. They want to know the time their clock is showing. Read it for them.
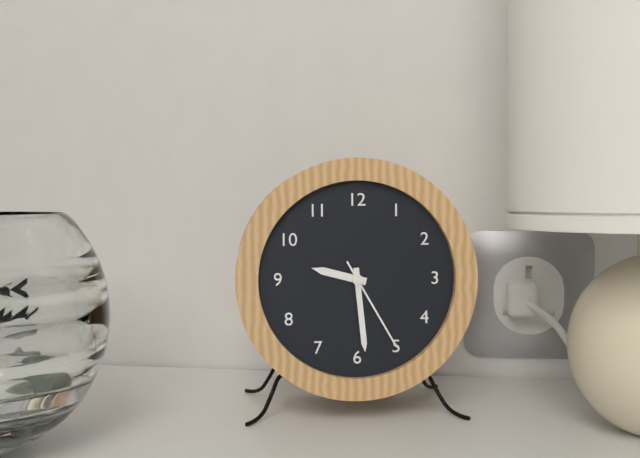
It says 9:29:25
